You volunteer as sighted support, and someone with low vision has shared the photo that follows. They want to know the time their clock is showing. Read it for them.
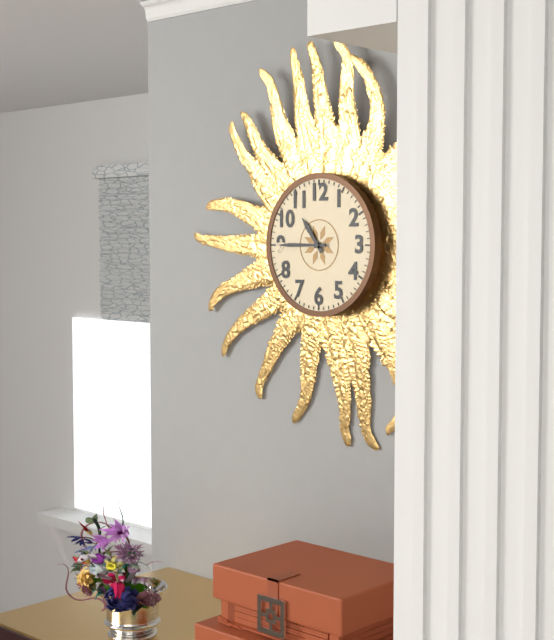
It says 10:45
